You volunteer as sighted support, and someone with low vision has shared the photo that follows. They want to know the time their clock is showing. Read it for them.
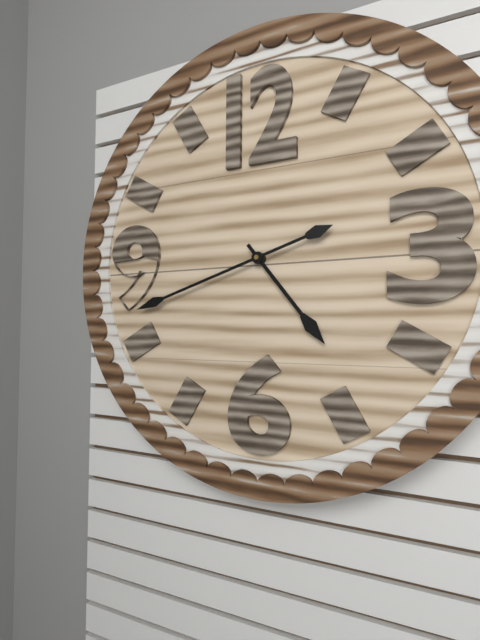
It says 4:42
